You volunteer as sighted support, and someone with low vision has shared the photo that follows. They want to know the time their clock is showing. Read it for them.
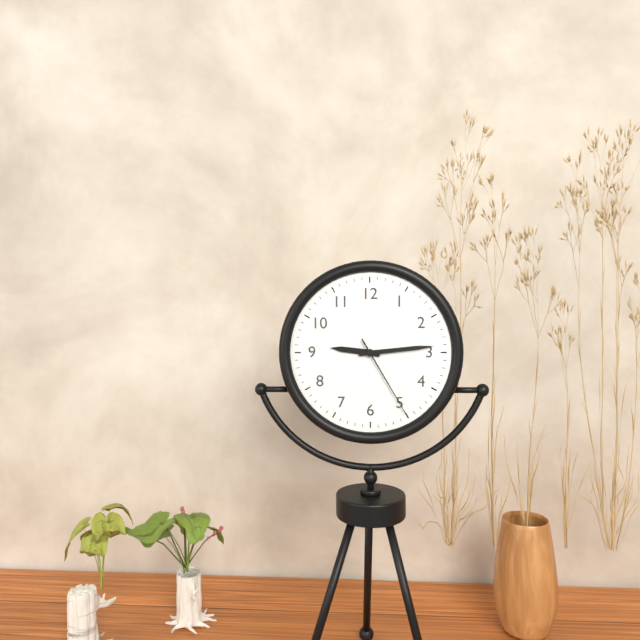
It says 9:14:25
